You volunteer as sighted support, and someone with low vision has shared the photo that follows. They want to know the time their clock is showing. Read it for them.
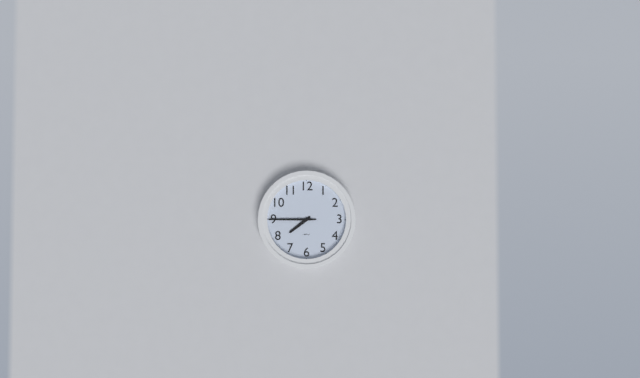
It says 7:45
